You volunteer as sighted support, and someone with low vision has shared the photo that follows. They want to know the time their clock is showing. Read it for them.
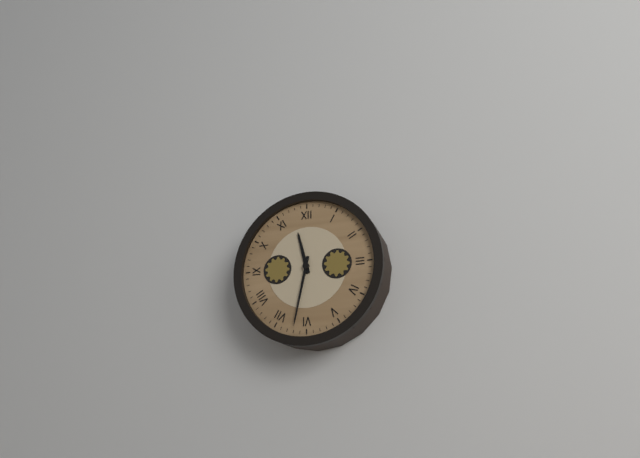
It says 11:32
